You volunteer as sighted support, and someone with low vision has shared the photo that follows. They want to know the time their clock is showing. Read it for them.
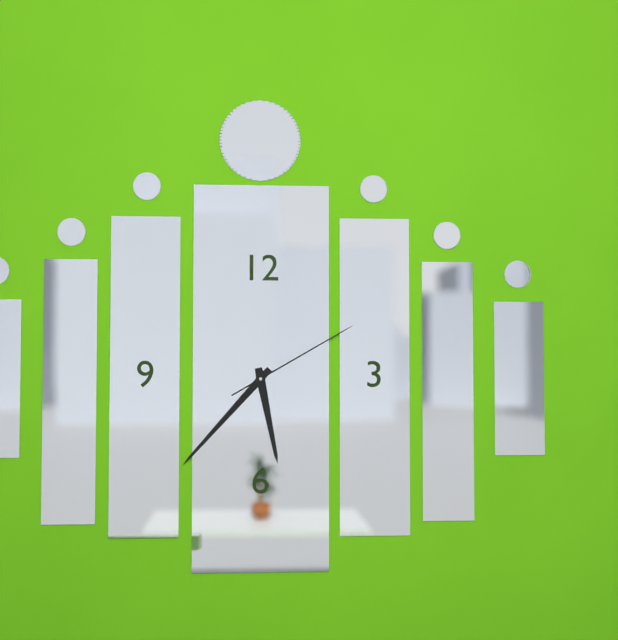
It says 5:37:10
